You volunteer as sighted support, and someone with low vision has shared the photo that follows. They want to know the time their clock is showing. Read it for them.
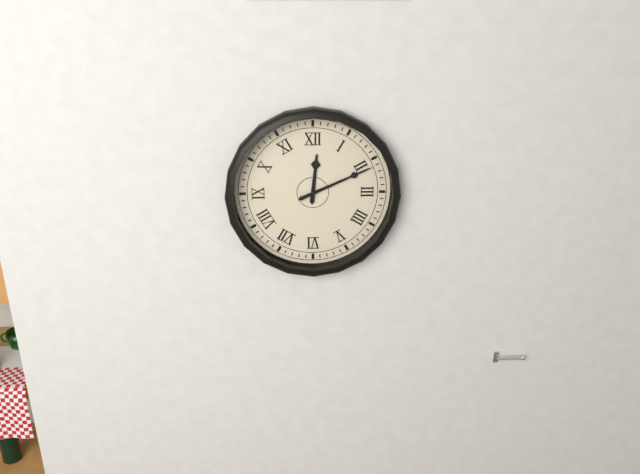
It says 12:11
